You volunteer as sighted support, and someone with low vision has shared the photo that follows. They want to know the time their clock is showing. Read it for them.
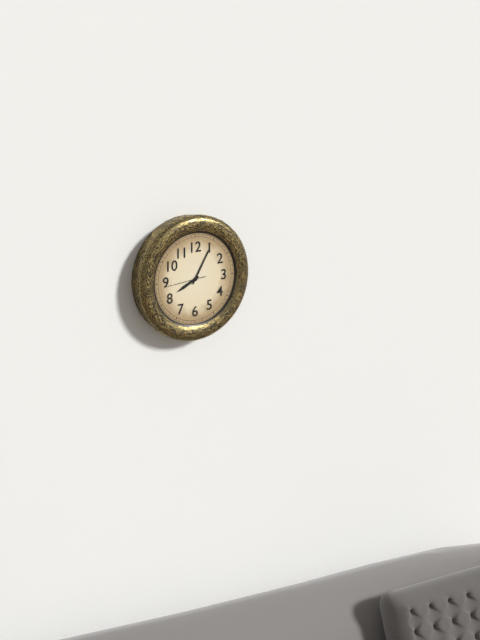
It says 8:05
